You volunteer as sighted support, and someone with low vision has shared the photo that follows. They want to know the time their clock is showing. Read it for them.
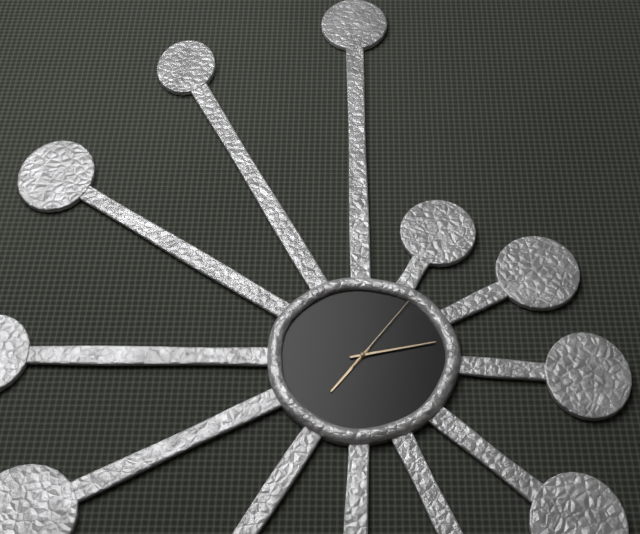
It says 7:13:06
